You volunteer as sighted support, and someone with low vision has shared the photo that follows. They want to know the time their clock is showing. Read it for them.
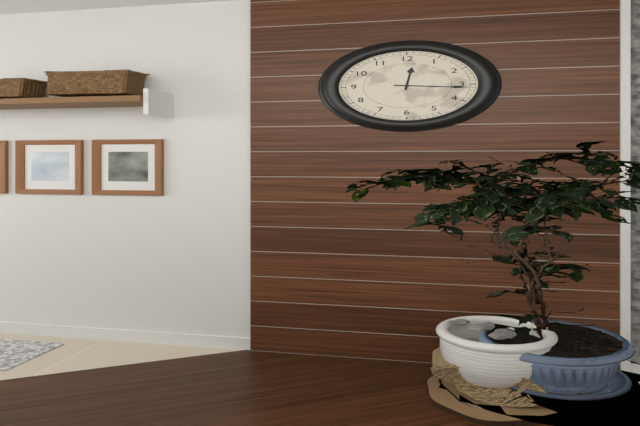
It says 12:16
